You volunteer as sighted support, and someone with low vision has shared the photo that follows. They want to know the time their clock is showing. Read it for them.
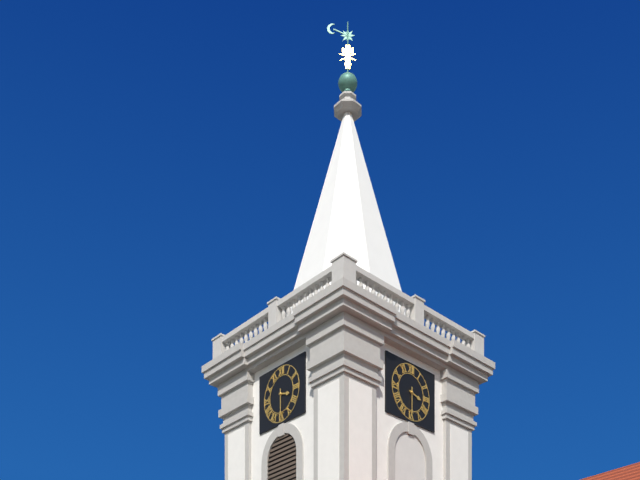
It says 3:30
